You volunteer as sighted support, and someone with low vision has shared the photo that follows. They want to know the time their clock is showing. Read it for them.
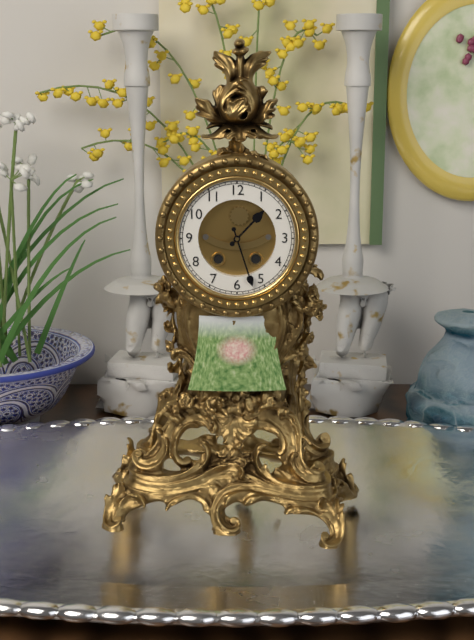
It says 1:27
